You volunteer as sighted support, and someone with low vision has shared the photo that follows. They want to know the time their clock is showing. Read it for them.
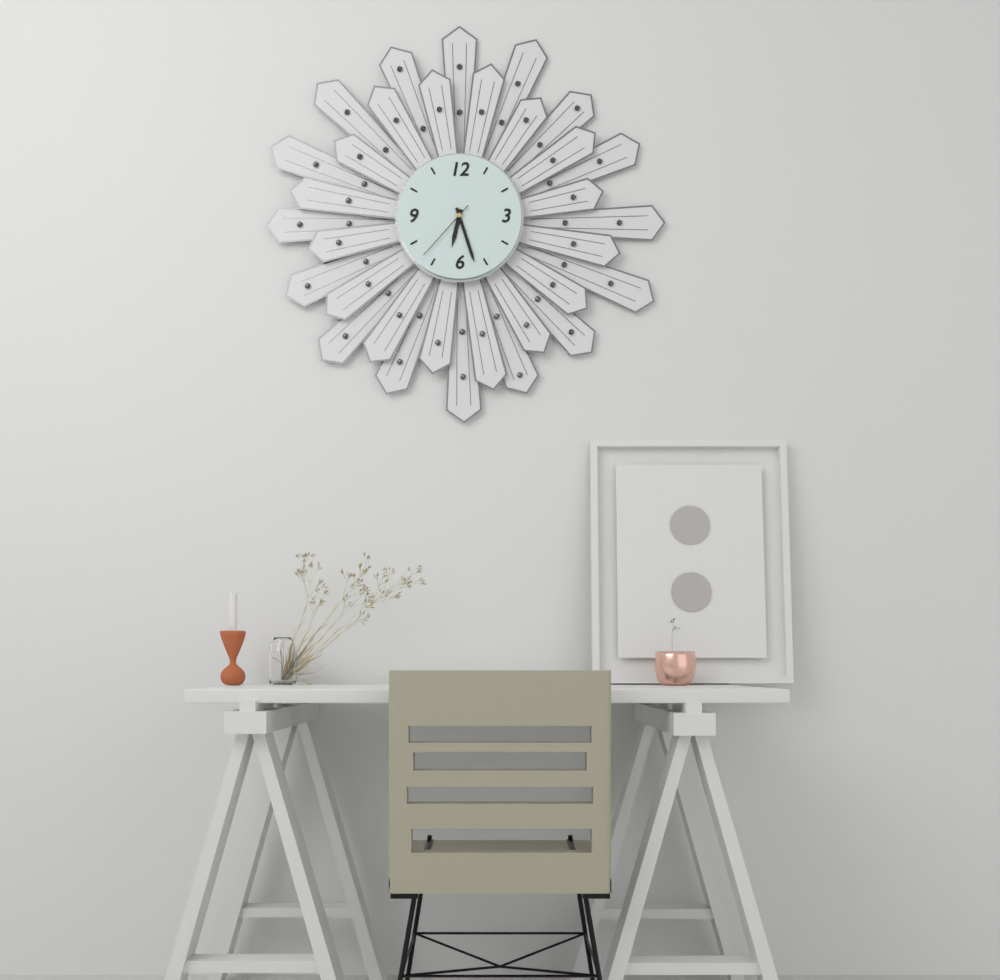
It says 6:27:37
